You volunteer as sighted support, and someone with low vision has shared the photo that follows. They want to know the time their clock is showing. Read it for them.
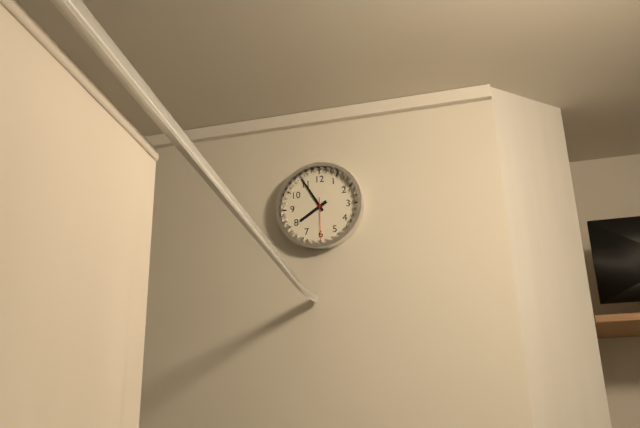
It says 7:55
